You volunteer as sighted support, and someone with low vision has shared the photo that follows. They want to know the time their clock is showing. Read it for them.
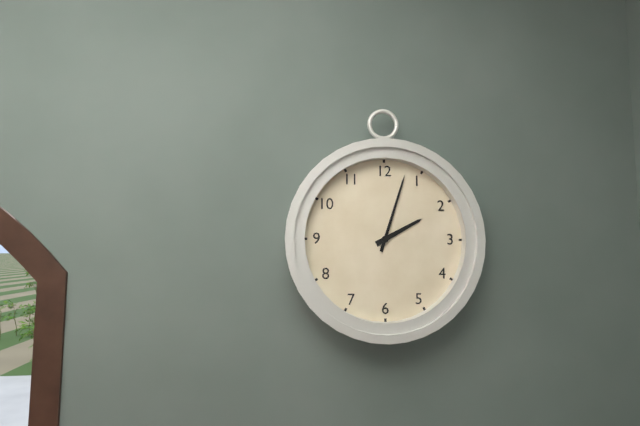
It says 2:03
